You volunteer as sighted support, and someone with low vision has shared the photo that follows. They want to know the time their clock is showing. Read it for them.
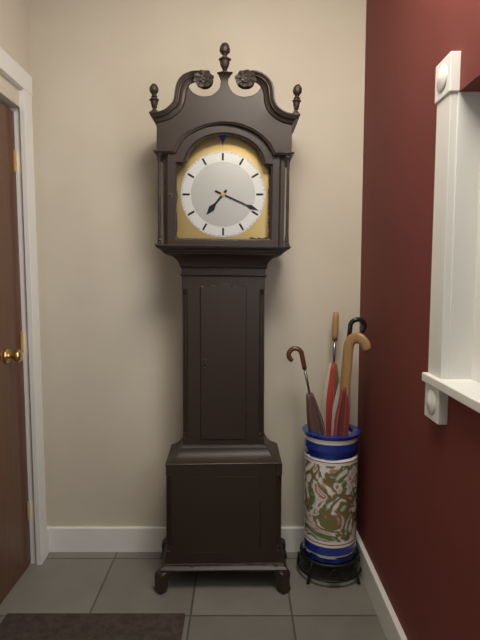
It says 7:19
